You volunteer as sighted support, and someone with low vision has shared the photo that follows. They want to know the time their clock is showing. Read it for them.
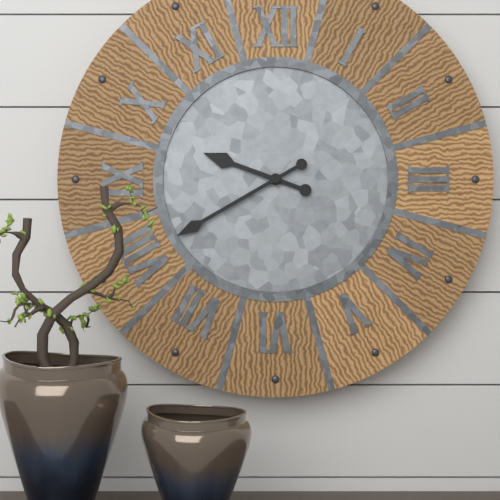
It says 9:40
